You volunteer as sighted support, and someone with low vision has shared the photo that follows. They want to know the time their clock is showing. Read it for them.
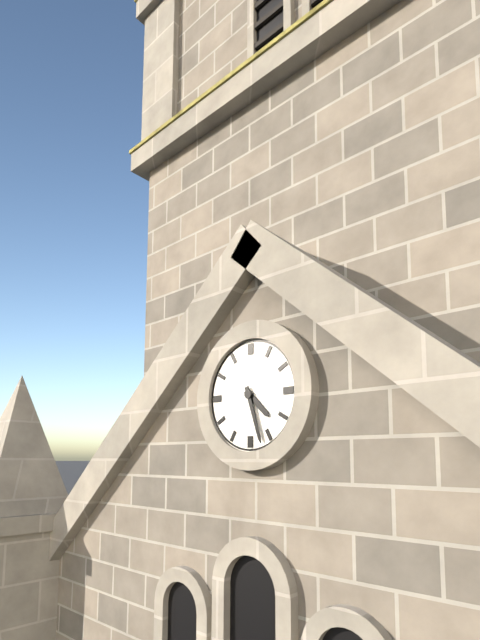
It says 4:27
